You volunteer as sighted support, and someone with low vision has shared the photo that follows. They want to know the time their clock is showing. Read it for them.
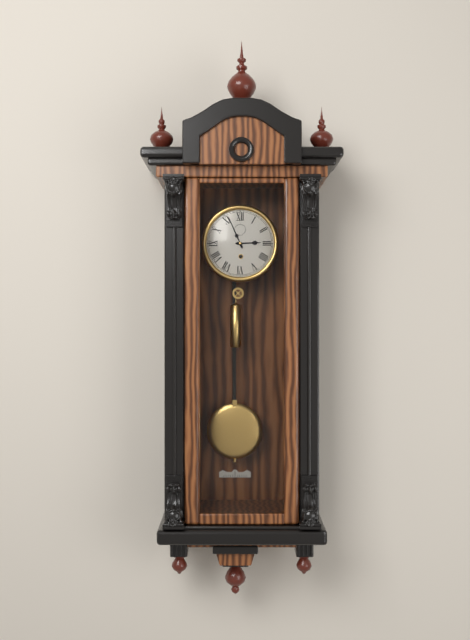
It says 2:56
